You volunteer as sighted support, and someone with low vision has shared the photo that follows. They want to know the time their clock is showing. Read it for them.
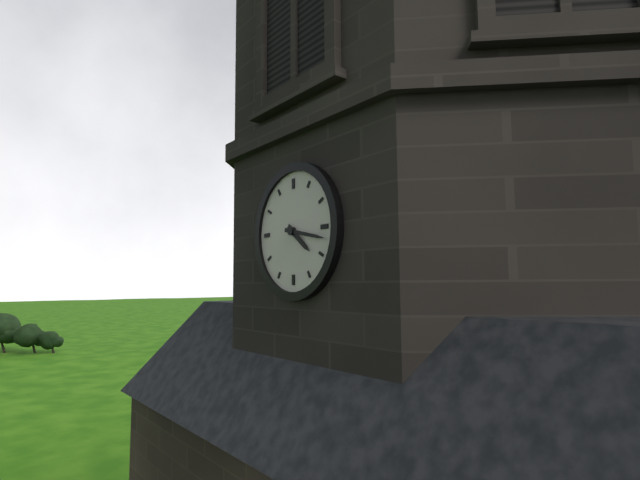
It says 4:17
